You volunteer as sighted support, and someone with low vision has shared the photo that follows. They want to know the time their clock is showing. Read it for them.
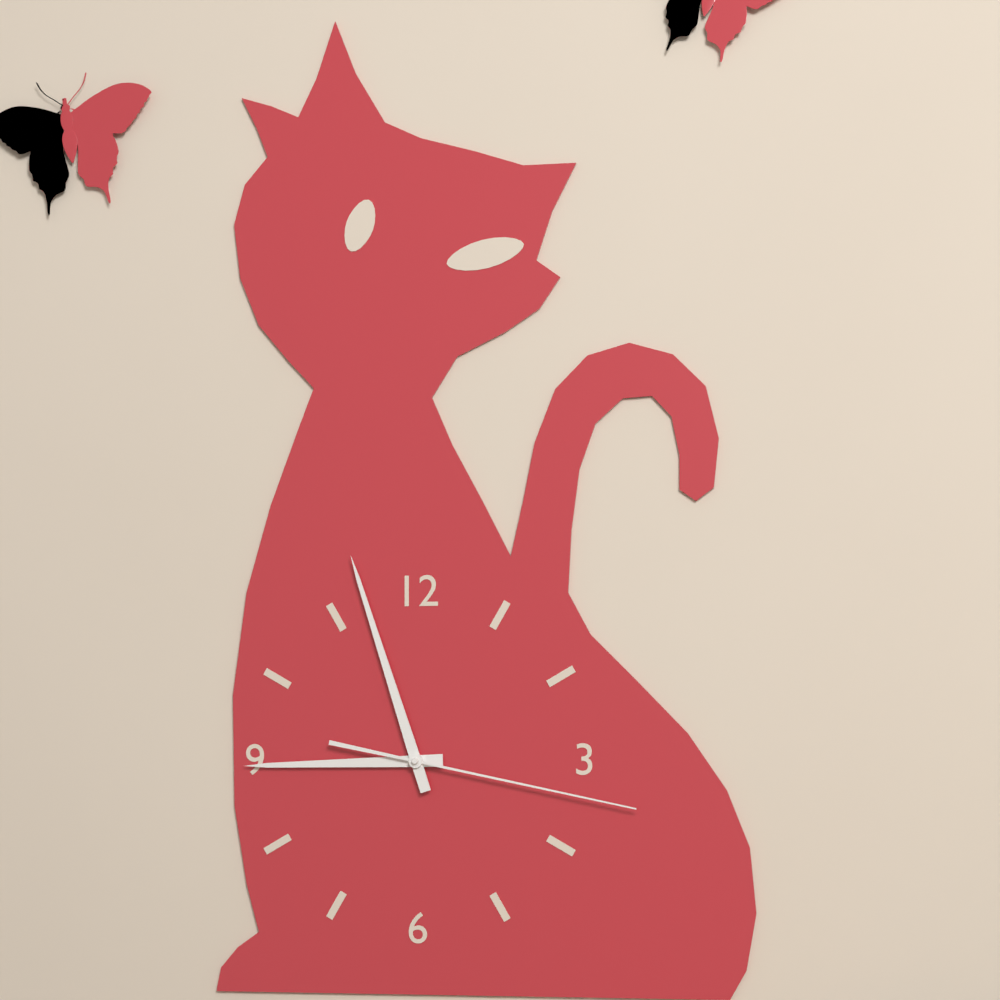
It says 8:57:17
